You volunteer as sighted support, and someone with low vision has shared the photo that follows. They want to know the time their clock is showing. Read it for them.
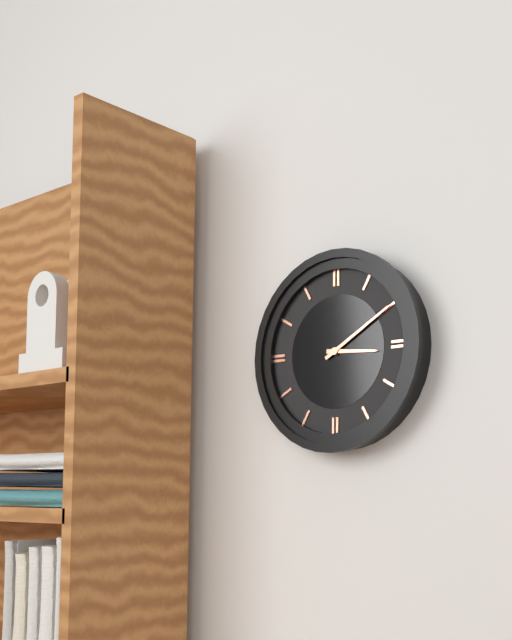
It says 3:10
